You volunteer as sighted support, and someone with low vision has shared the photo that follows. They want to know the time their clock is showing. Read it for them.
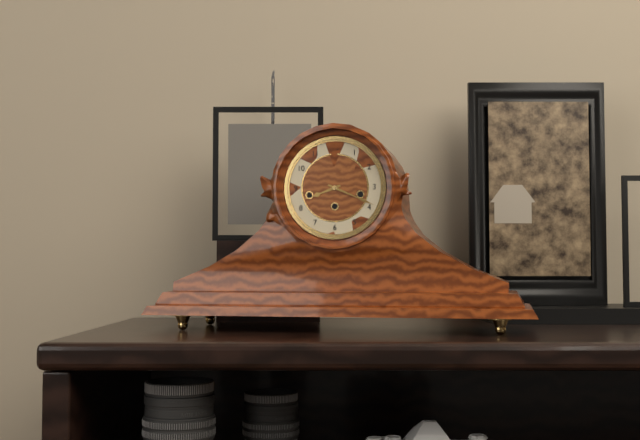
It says 8:19
